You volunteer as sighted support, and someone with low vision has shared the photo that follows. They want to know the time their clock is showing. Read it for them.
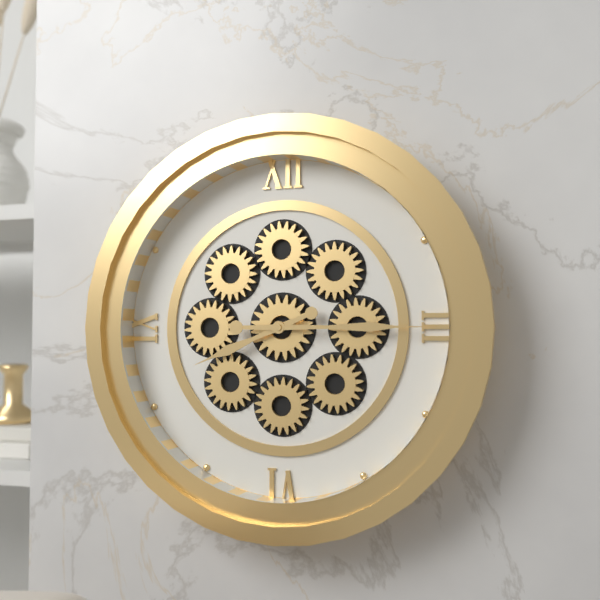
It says 8:15
